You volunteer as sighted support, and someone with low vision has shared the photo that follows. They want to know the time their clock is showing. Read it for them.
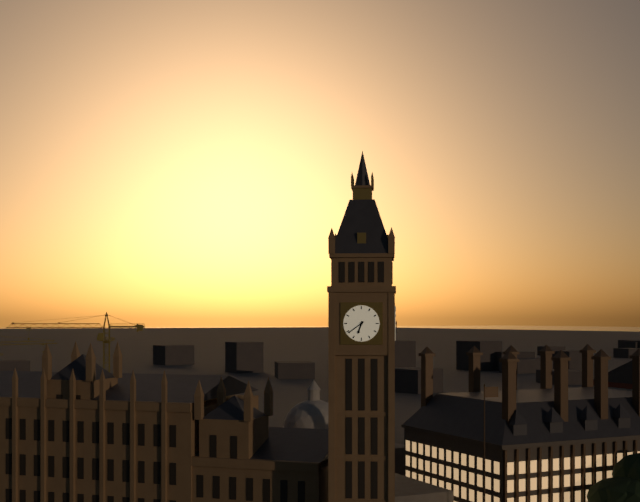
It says 6:39
